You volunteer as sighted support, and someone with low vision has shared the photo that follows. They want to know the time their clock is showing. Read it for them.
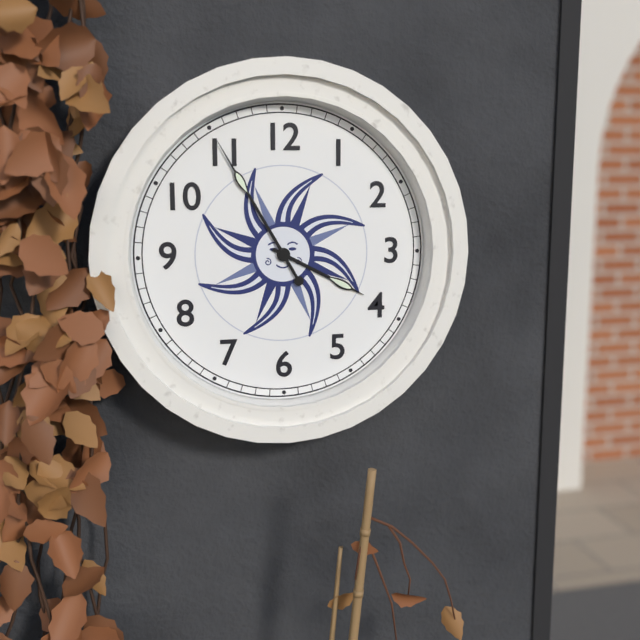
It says 3:55
